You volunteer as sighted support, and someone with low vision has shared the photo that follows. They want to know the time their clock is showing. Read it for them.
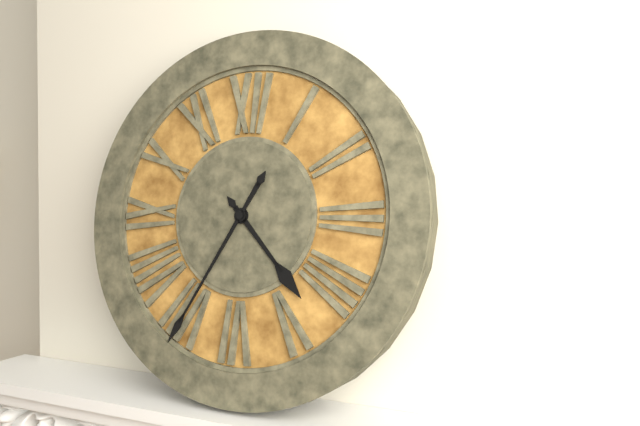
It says 4:35
